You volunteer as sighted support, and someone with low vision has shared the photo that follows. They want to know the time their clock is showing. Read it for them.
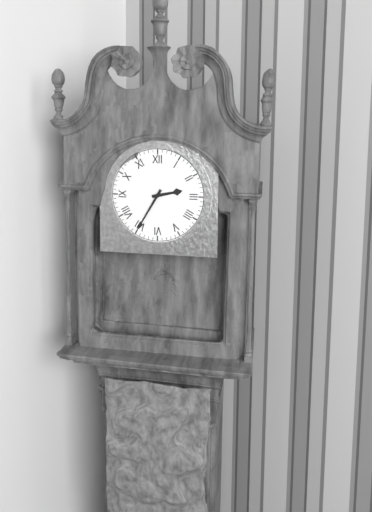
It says 2:35
